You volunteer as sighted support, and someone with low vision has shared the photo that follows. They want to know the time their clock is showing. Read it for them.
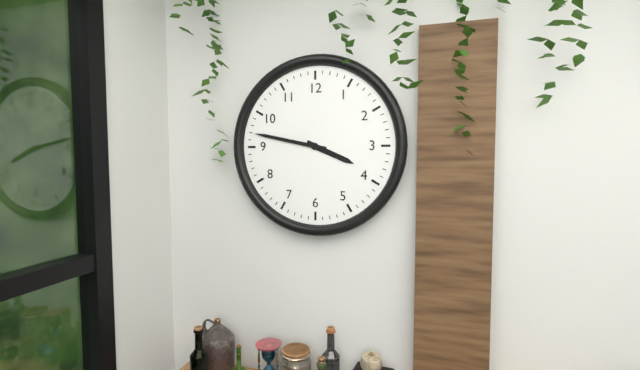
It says 3:47
